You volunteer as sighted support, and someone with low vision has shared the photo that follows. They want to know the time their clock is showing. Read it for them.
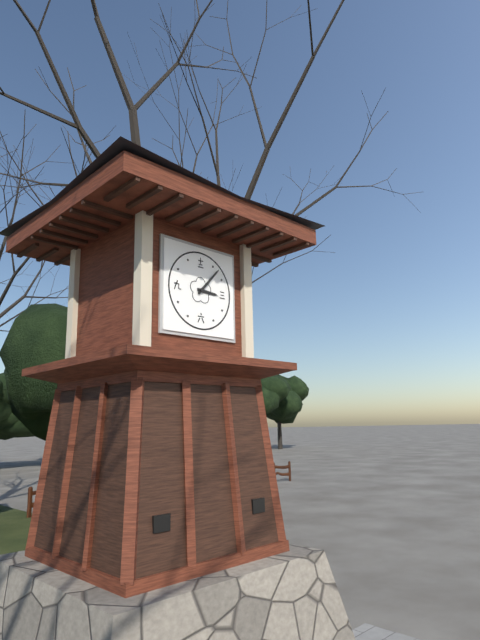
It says 3:07
